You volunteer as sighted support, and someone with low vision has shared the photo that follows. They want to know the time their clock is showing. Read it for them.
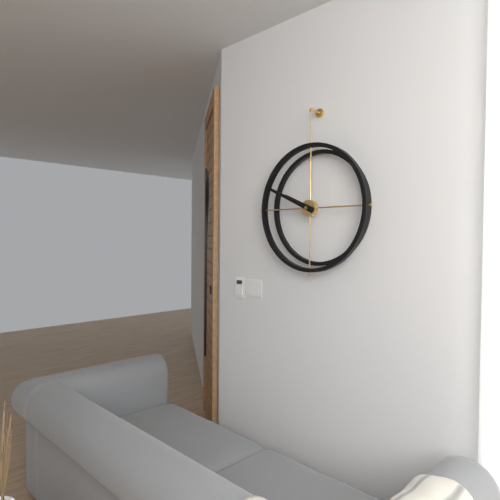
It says 9:49
